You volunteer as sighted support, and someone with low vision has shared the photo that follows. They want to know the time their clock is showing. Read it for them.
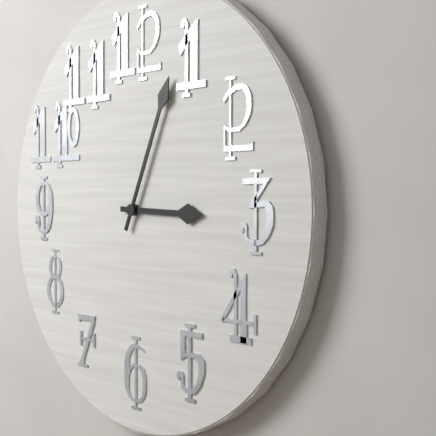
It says 3:04
